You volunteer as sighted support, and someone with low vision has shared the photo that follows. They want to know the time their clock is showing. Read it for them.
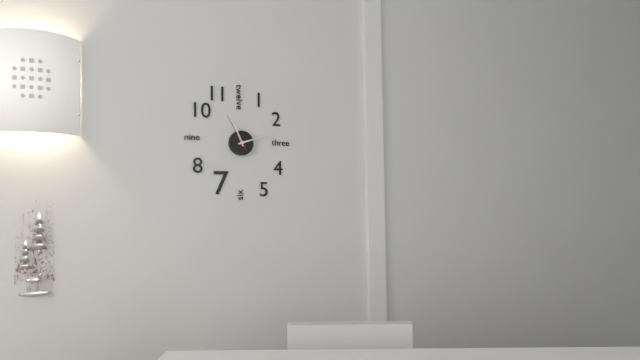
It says 11:12
